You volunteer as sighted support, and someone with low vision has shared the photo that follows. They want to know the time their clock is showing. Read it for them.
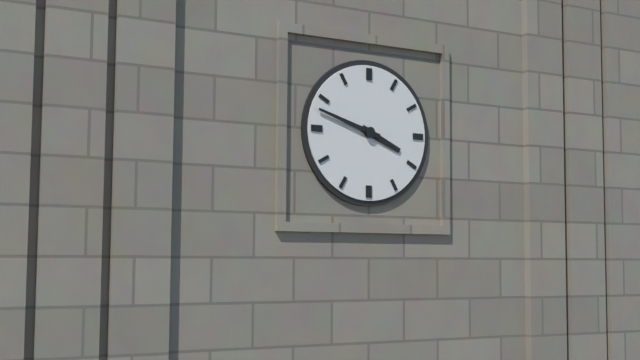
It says 3:48
